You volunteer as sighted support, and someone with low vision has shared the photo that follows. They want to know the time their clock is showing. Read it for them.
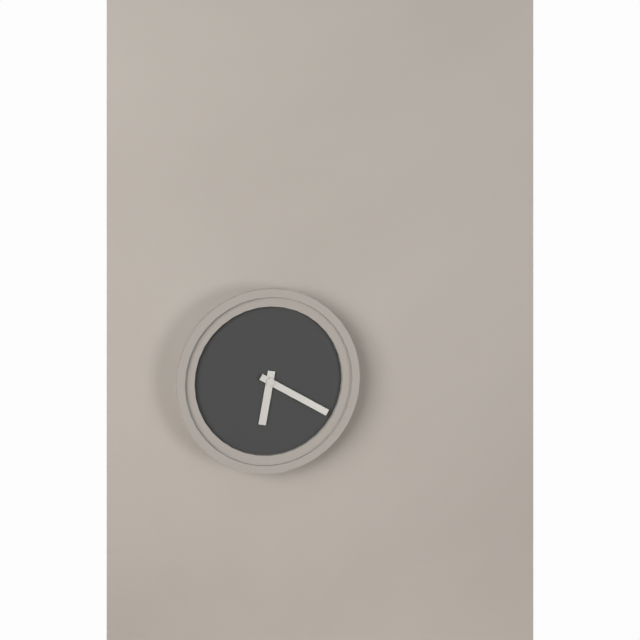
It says 6:20
